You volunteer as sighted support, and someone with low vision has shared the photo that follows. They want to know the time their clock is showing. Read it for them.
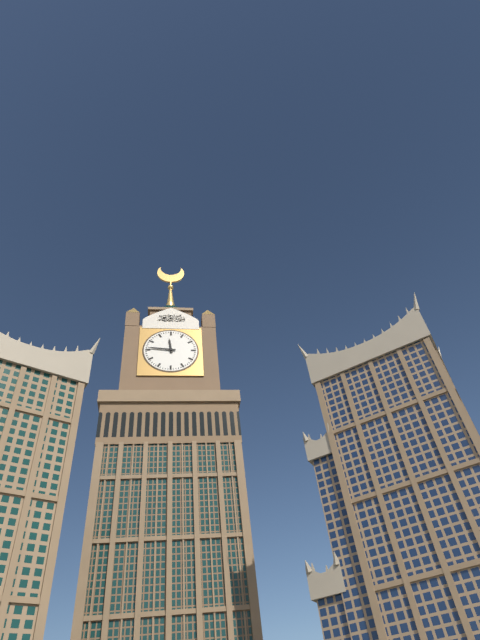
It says 11:46
